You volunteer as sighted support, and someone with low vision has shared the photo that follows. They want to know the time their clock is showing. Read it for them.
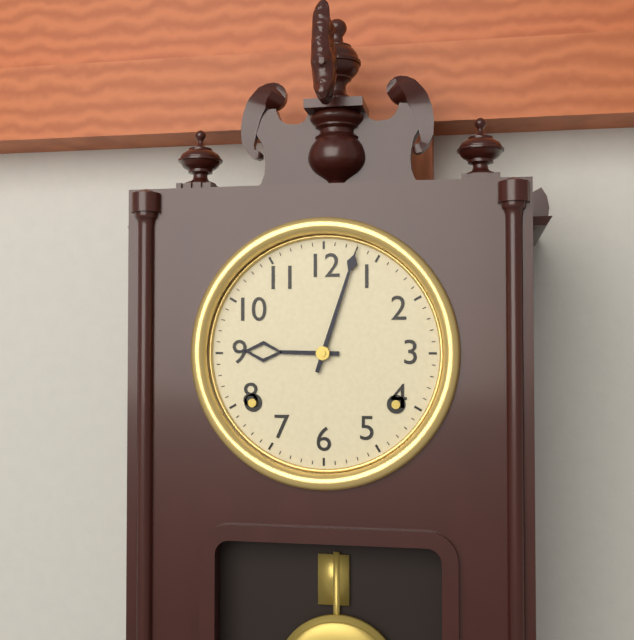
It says 9:03
